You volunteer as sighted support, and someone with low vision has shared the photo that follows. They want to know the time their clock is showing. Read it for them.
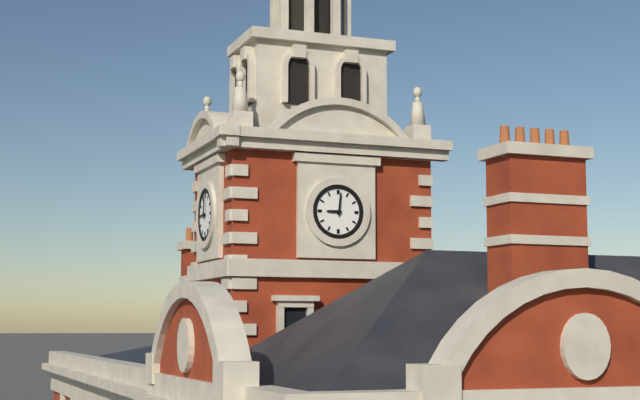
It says 9:01
